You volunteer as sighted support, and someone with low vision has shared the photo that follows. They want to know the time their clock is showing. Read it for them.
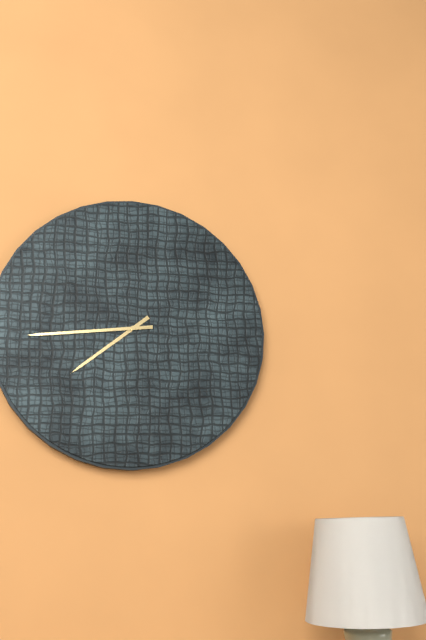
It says 7:44
